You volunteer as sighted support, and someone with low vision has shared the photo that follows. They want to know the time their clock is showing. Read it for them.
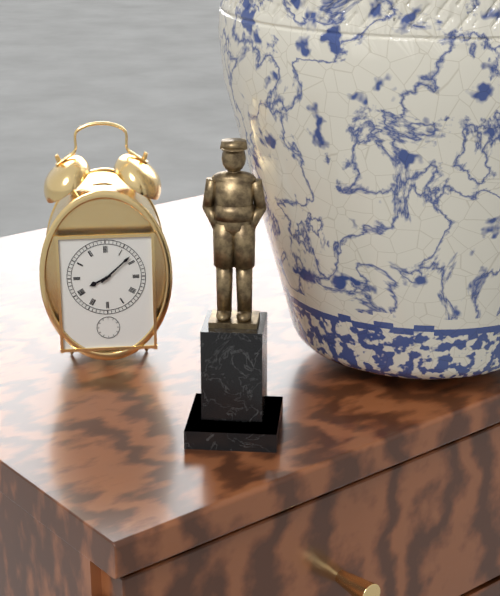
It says 8:08
